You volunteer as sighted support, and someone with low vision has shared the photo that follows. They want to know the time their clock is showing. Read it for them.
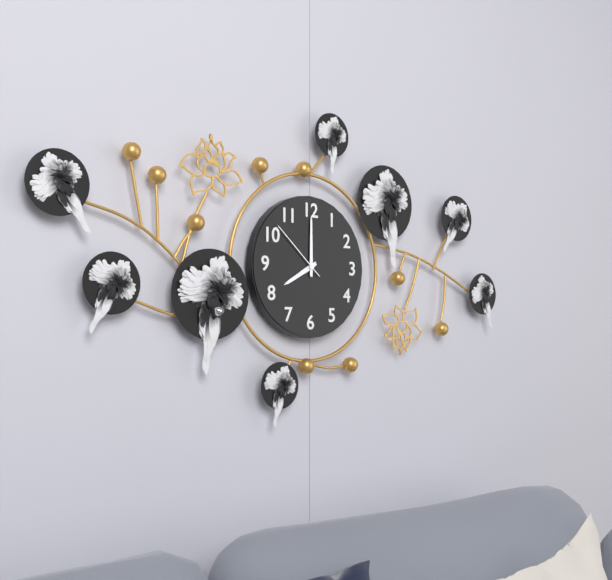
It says 8:00:52
